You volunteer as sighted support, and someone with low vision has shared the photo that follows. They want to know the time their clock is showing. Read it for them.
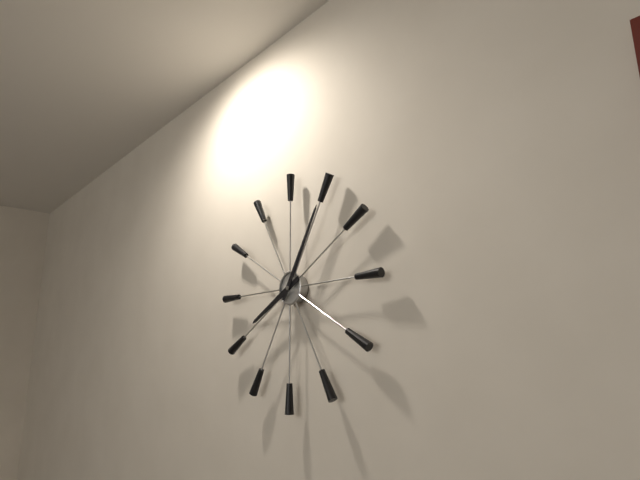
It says 8:05
